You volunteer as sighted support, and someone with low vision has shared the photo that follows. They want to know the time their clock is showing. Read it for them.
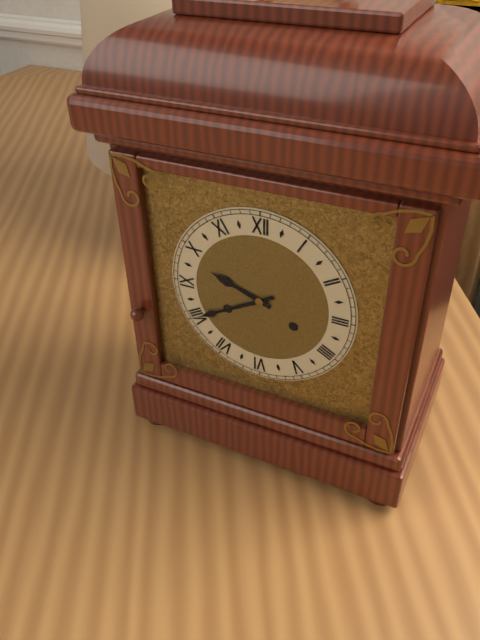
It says 9:40
